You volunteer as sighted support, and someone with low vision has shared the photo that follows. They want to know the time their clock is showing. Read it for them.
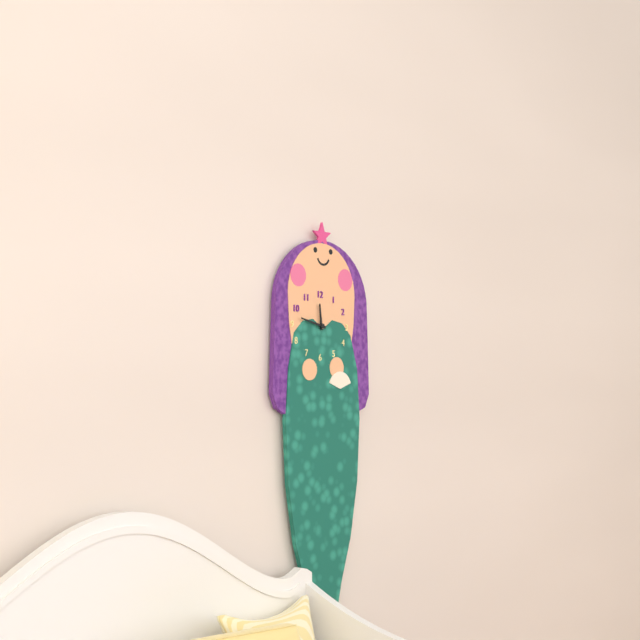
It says 11:47
